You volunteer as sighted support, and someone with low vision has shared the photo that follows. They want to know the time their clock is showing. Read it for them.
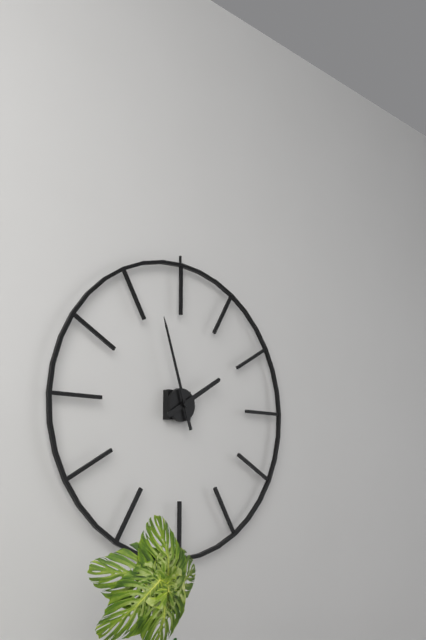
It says 1:57
